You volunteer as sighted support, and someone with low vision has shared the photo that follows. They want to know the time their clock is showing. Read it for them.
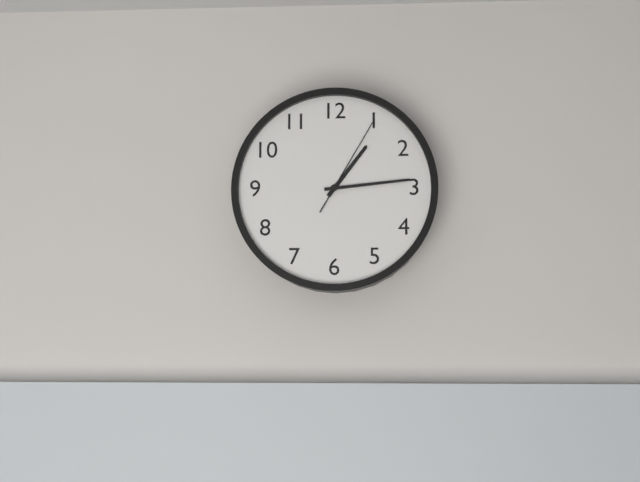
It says 1:14:05
